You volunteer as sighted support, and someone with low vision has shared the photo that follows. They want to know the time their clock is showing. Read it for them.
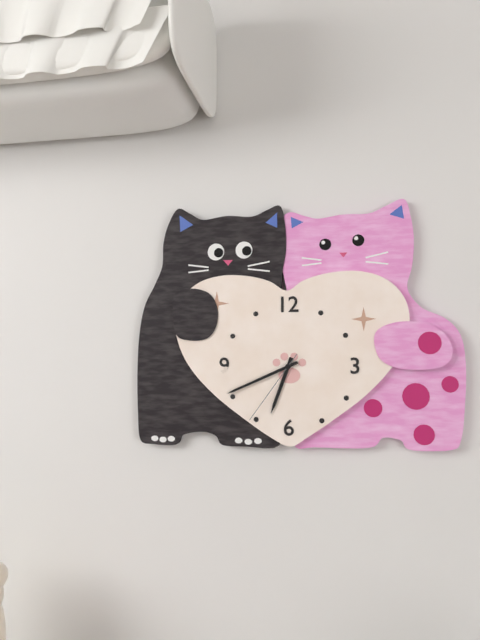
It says 6:41:36
